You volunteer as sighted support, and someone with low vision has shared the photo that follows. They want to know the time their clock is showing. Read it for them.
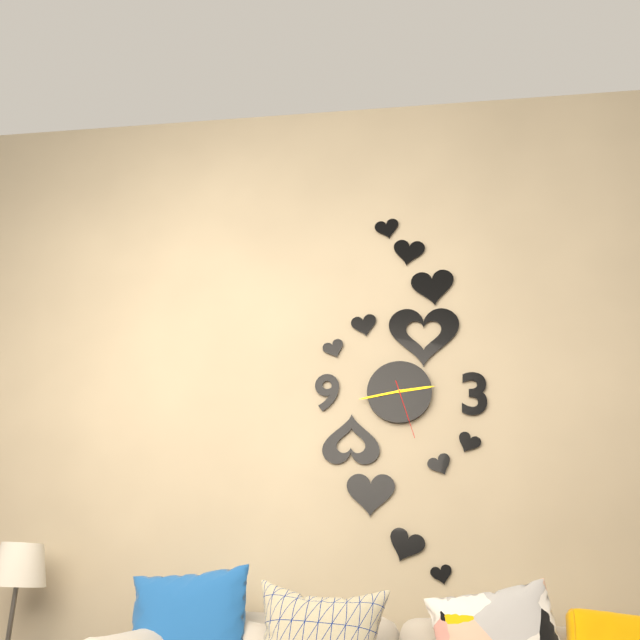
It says 2:43:27
